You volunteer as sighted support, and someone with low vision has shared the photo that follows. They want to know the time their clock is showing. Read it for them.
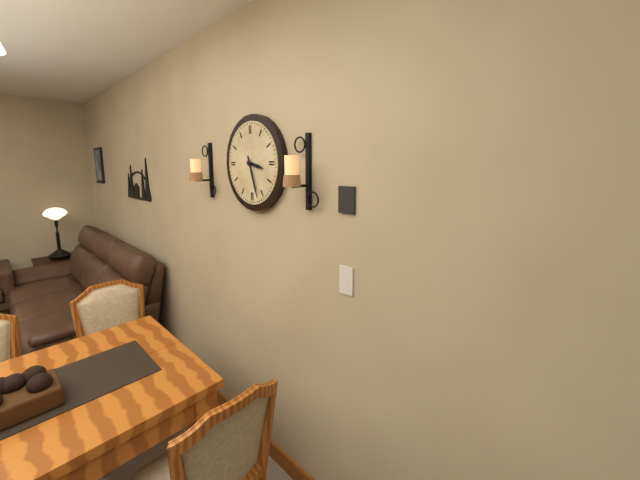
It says 3:27
